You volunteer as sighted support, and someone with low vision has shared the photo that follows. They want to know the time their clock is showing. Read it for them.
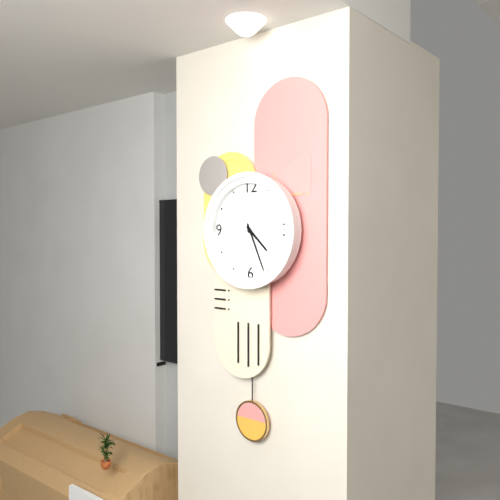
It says 4:26
